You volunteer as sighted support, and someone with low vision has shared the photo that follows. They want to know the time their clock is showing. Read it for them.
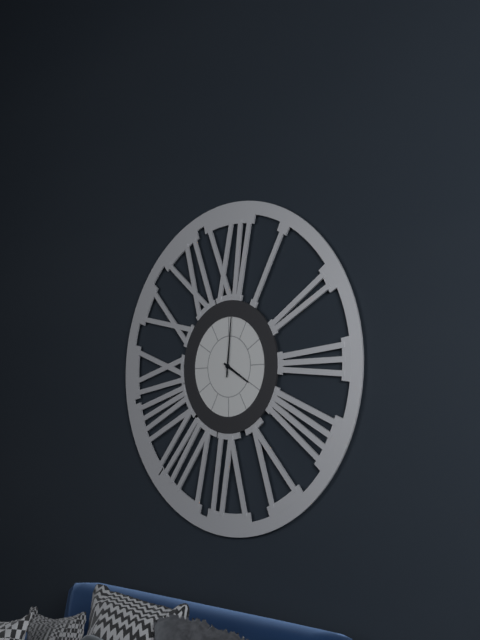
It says 4:01
